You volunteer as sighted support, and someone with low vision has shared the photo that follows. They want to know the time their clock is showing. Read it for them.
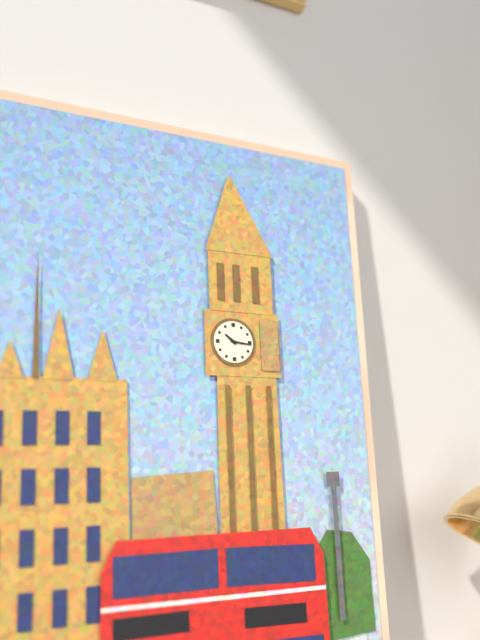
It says 10:16
